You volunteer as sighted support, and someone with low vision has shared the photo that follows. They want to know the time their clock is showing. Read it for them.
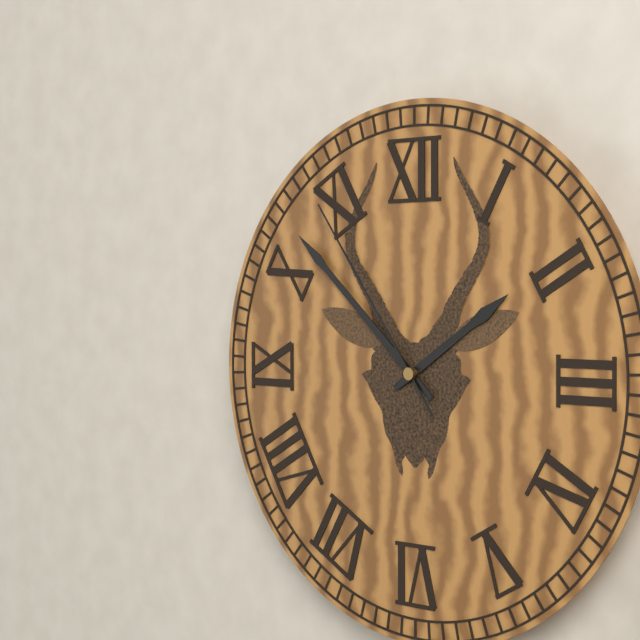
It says 1:52:54
